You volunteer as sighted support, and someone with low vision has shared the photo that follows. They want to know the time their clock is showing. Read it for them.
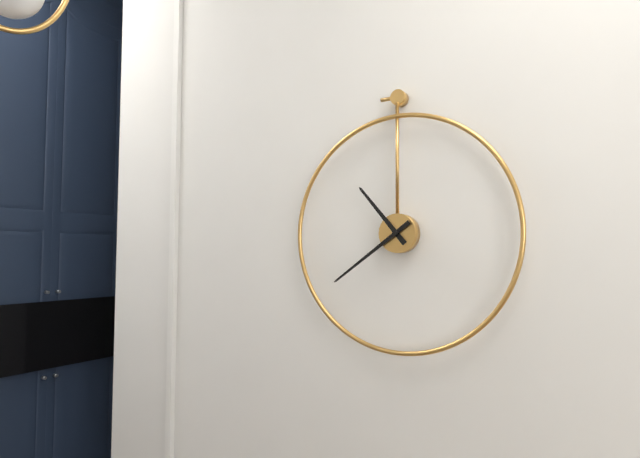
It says 10:39
